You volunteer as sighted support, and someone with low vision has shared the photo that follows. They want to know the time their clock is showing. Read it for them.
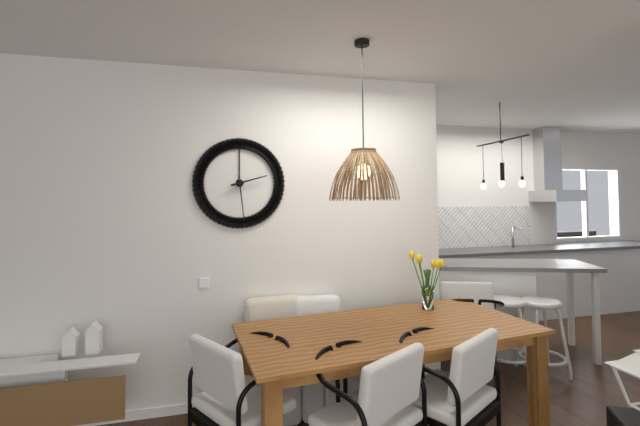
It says 2:29
